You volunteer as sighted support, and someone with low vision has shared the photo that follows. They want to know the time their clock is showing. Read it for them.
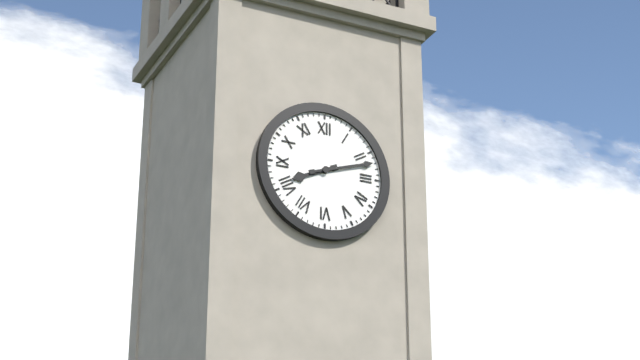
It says 8:12
